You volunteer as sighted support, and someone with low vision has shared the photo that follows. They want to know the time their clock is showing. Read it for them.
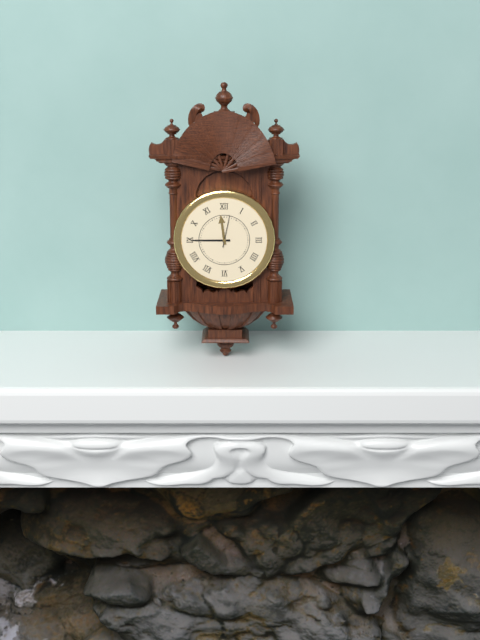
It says 11:45
